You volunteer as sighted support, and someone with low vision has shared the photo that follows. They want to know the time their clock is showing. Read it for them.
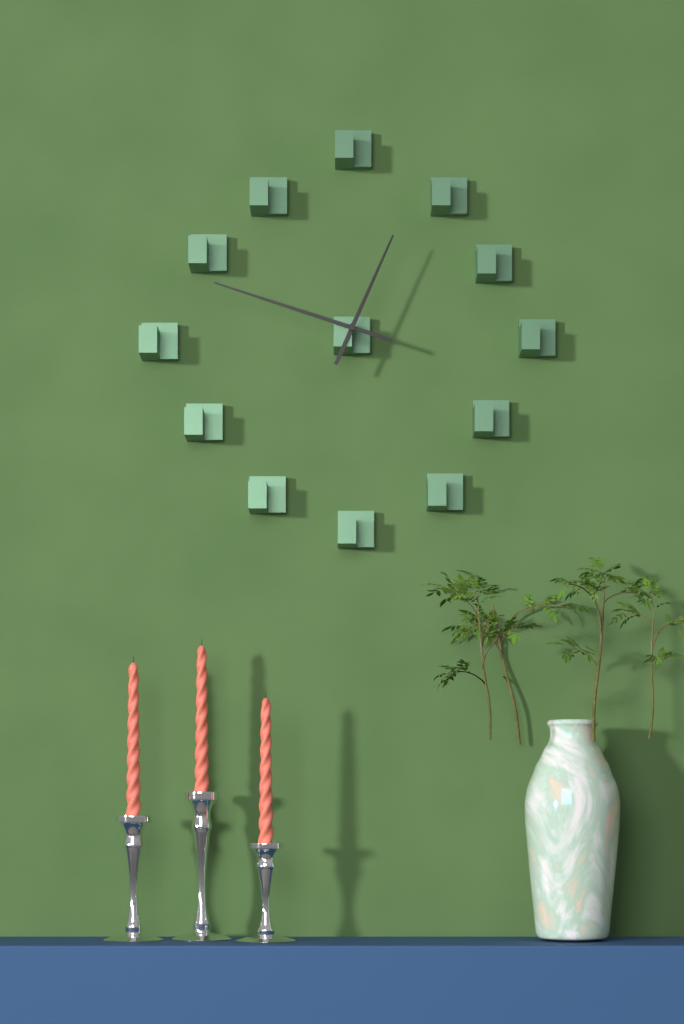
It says 12:48
